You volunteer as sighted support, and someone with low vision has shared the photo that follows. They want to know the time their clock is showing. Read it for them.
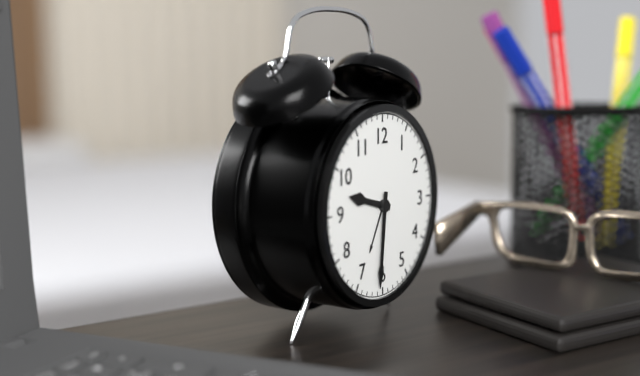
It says 9:31
